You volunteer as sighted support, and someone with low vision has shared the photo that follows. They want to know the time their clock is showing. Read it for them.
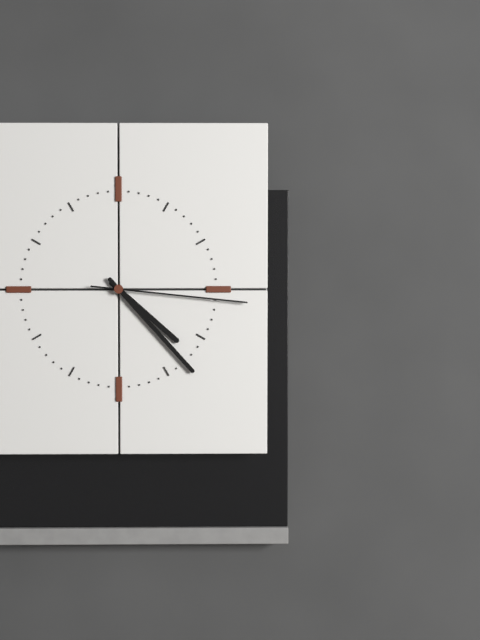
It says 4:23:16
